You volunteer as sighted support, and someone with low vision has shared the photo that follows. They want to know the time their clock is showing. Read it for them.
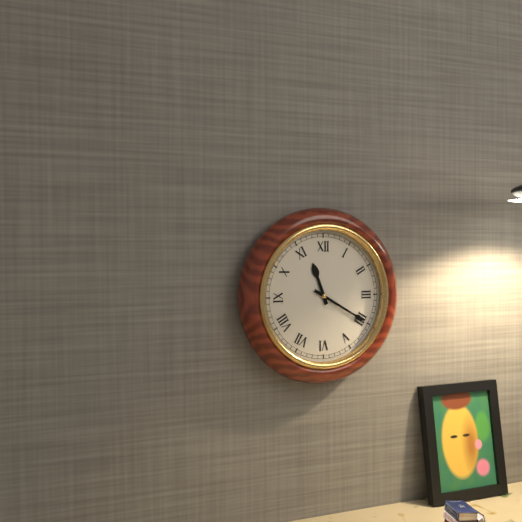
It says 11:20
